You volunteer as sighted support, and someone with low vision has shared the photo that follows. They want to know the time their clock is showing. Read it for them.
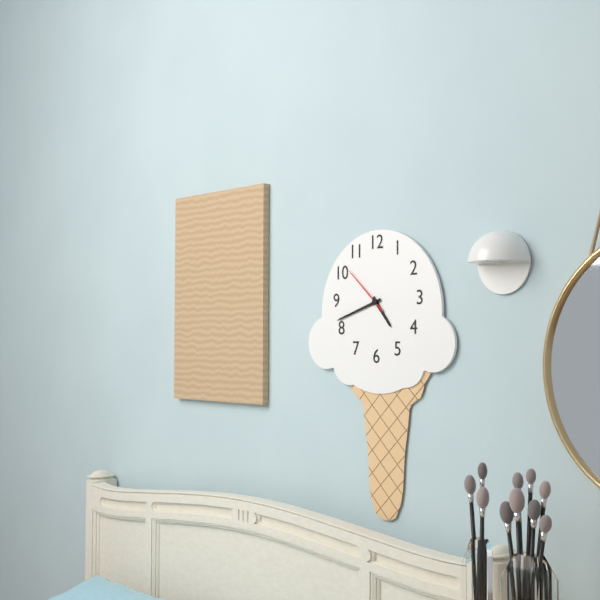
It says 4:42:52
